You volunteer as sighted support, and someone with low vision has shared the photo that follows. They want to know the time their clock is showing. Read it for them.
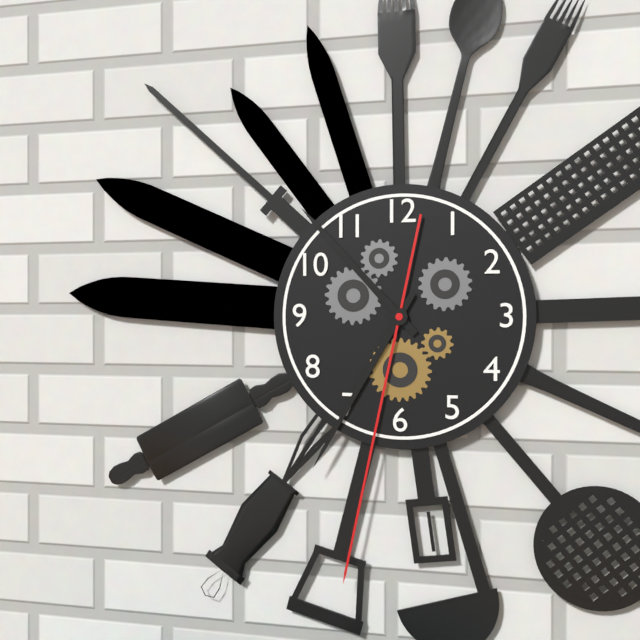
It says 10:35:32
